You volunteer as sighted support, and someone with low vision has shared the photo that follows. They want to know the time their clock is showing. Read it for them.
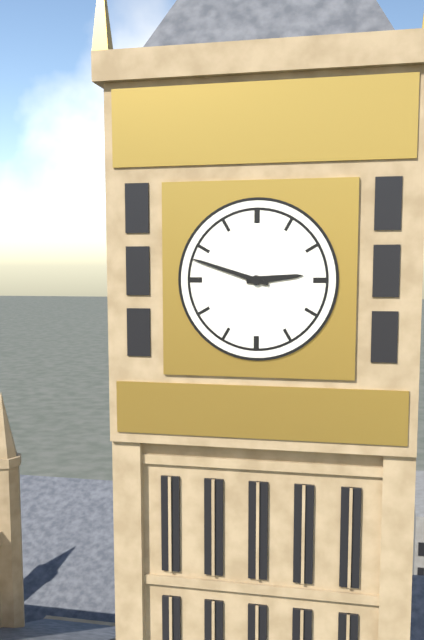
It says 2:48
